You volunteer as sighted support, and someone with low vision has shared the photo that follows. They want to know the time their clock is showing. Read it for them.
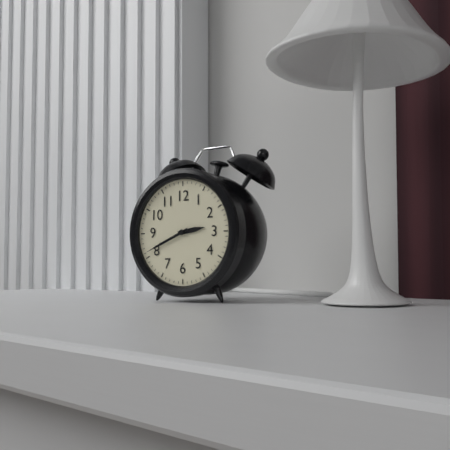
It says 2:41
